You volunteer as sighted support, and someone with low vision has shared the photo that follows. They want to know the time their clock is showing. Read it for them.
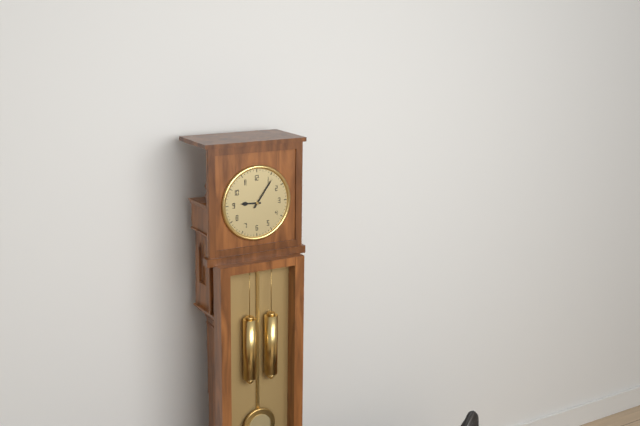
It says 9:06
